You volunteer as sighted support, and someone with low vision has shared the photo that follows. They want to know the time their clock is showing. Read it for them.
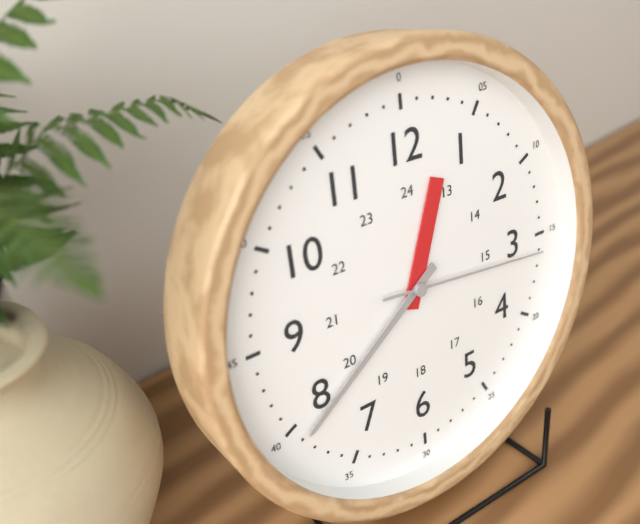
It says 12:39:16
